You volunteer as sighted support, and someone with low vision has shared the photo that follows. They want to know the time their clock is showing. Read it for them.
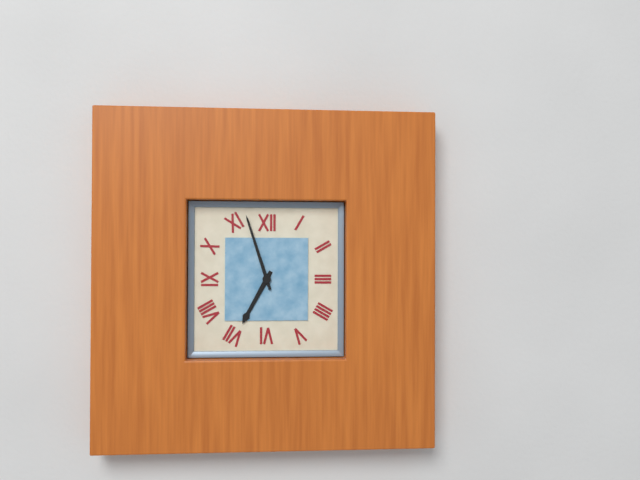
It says 6:57
